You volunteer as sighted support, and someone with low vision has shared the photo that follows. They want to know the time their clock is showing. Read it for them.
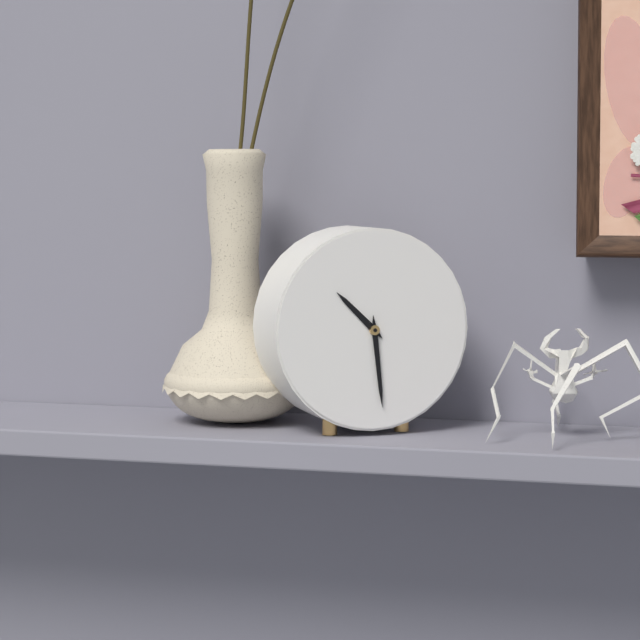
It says 10:29
